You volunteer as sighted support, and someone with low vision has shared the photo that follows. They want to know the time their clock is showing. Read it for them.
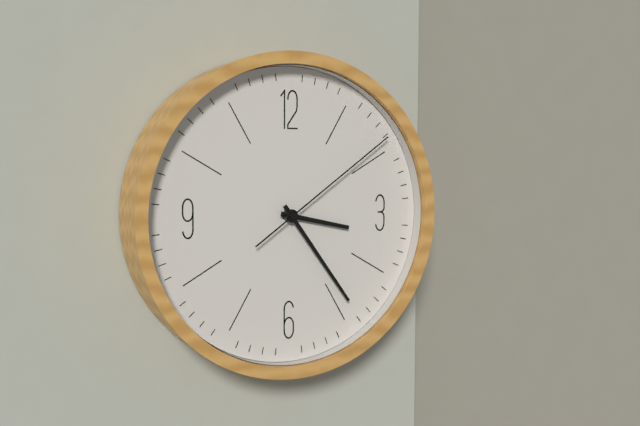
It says 3:24:09
